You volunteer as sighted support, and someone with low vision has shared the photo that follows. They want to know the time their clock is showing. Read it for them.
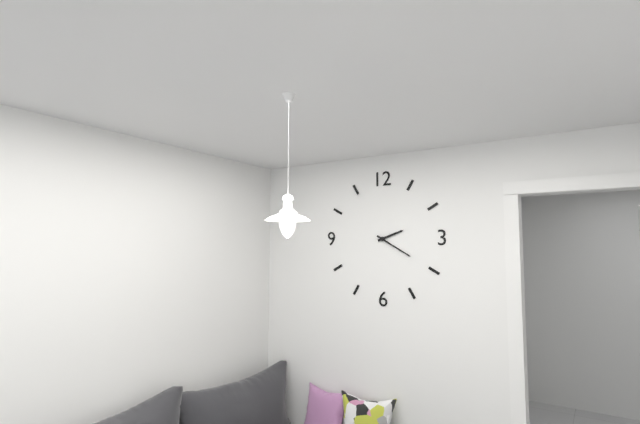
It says 2:20
